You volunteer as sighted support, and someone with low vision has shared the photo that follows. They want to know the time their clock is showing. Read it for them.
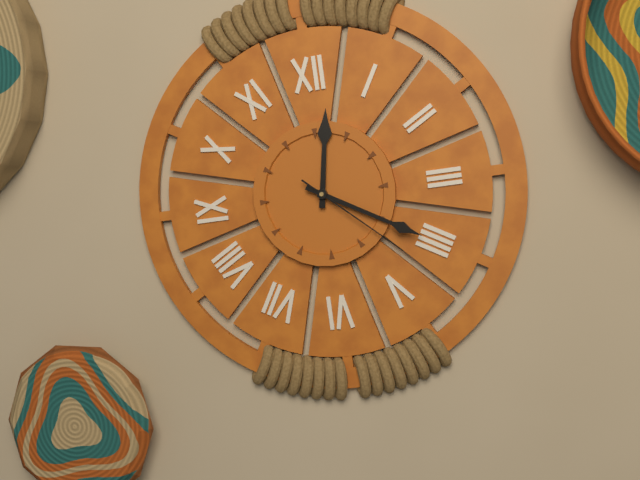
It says 12:20:22
